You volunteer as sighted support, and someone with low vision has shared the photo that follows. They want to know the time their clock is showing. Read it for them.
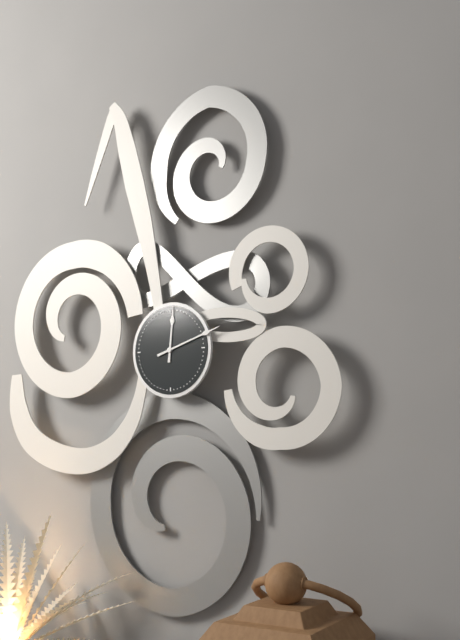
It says 12:12
